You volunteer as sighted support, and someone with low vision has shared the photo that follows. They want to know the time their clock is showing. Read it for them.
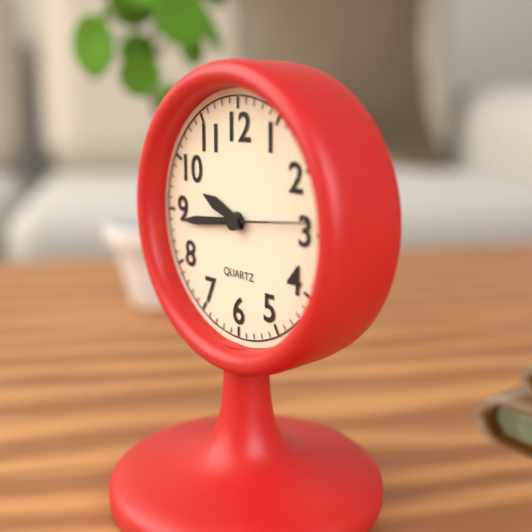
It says 9:44:14
